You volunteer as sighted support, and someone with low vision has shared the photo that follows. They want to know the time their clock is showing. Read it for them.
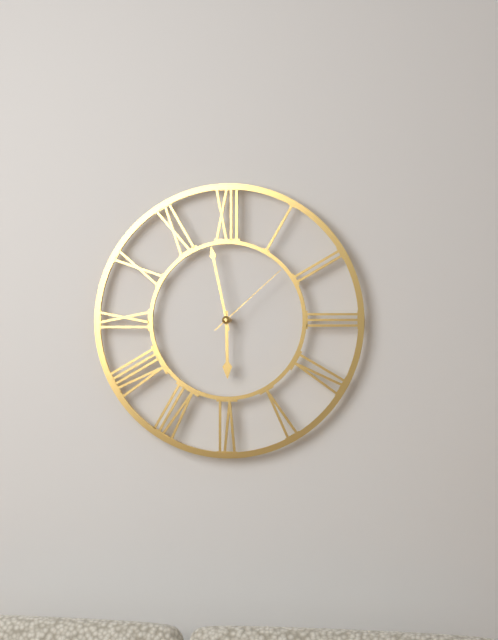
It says 5:58:08
